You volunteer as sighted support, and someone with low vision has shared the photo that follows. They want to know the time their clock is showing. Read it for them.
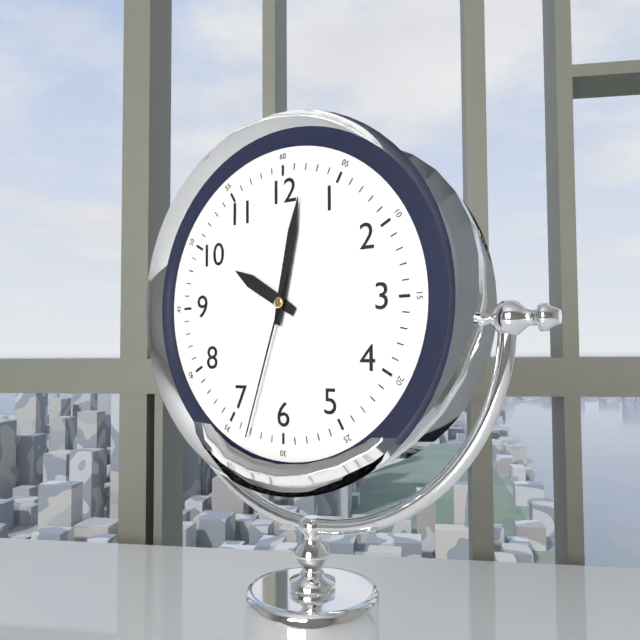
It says 10:02:33
